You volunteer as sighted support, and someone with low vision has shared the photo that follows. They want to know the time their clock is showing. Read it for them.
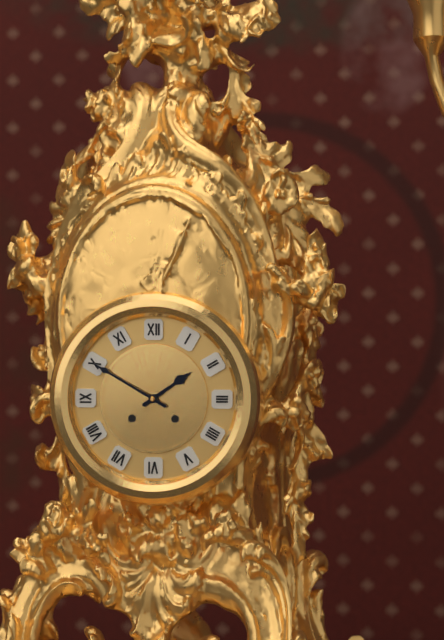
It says 1:50
